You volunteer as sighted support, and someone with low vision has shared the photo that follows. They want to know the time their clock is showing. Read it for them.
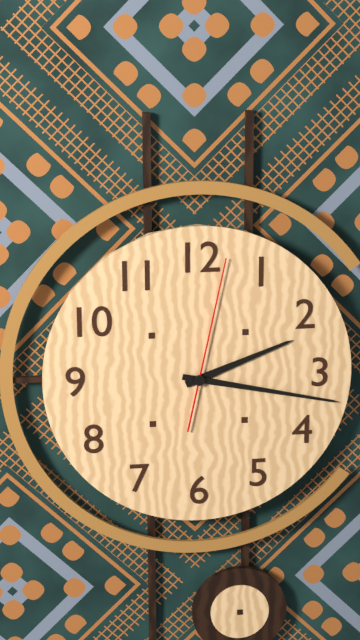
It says 2:17:02
